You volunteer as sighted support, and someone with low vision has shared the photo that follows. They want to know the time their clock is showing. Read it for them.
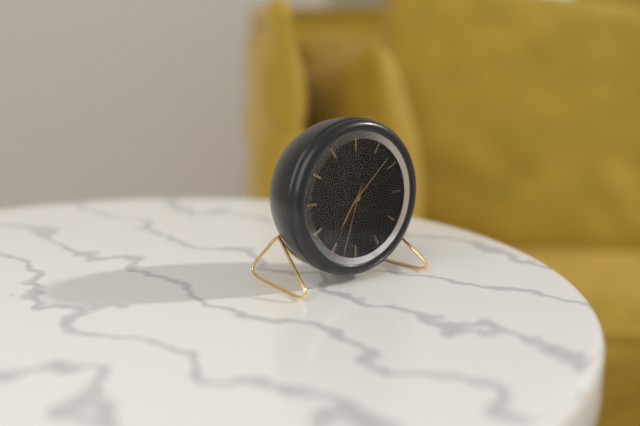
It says 7:08:33
